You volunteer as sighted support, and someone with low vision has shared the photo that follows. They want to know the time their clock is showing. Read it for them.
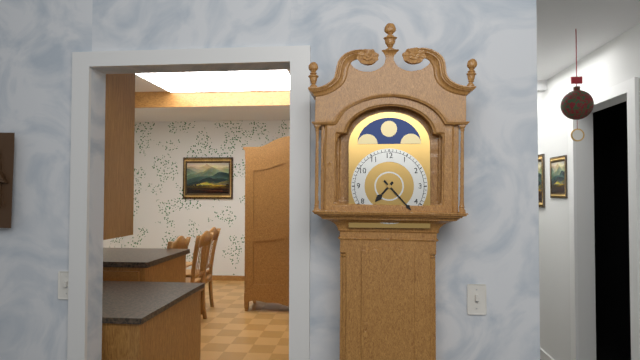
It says 7:23
